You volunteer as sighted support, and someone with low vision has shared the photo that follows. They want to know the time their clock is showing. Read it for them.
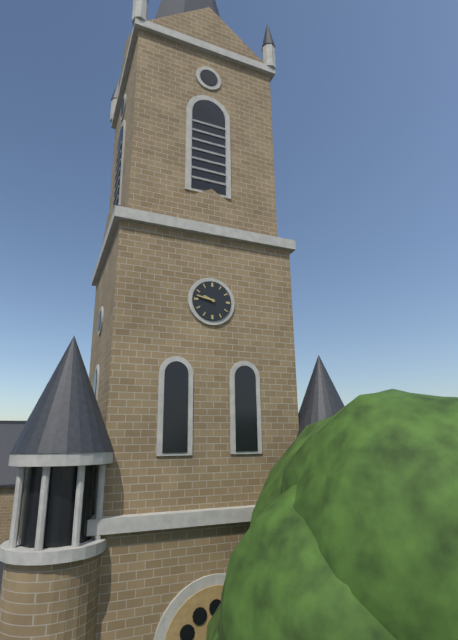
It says 9:47
